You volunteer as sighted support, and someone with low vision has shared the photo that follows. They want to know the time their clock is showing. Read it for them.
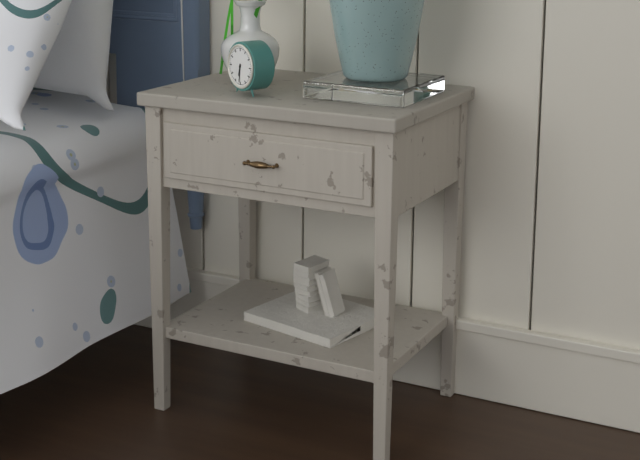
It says 6:31
